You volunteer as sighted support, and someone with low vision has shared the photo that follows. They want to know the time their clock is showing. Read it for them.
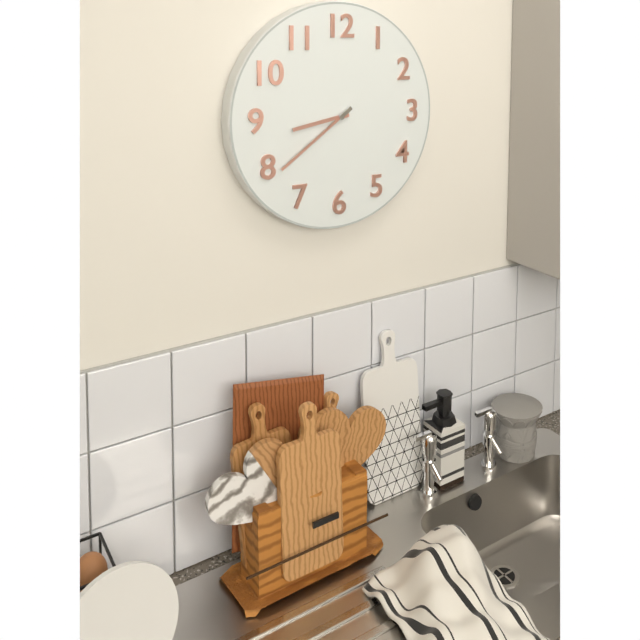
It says 8:39
